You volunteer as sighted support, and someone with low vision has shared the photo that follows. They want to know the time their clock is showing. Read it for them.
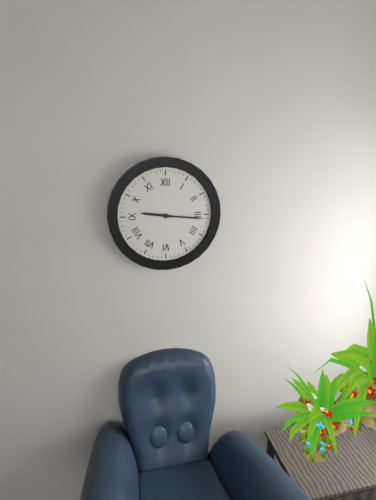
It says 9:16
